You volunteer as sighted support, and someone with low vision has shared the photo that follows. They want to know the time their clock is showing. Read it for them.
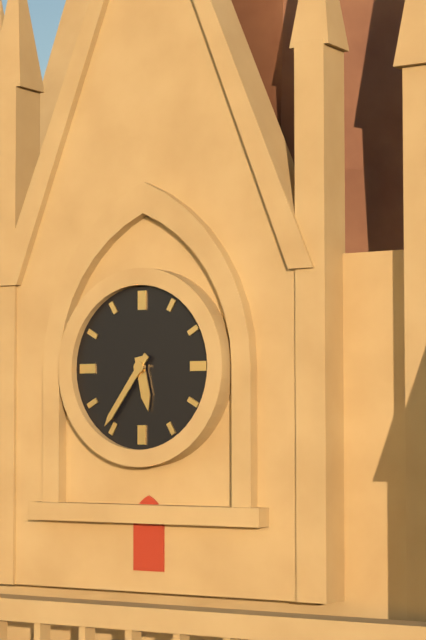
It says 5:36
